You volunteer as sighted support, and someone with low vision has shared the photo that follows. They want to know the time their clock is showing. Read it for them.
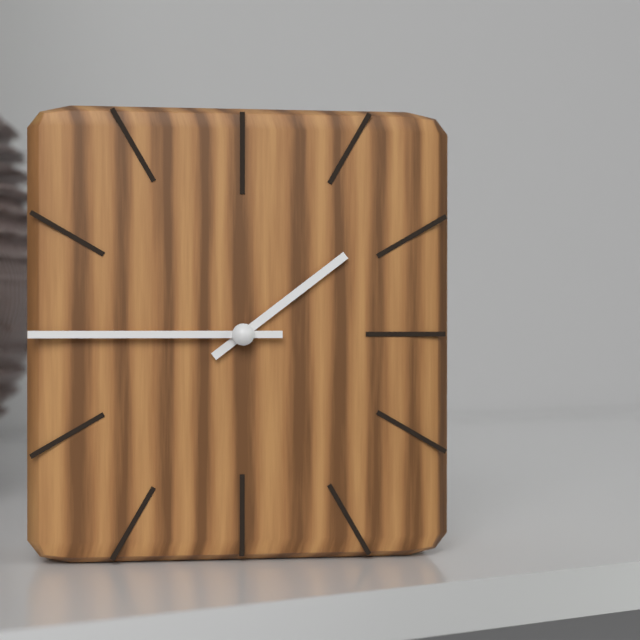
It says 1:45
